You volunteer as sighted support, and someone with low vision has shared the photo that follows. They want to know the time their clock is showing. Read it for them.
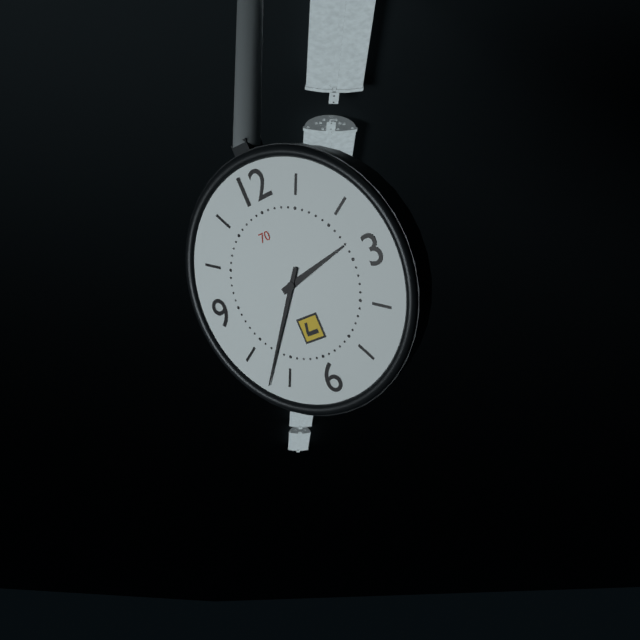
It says 2:37
